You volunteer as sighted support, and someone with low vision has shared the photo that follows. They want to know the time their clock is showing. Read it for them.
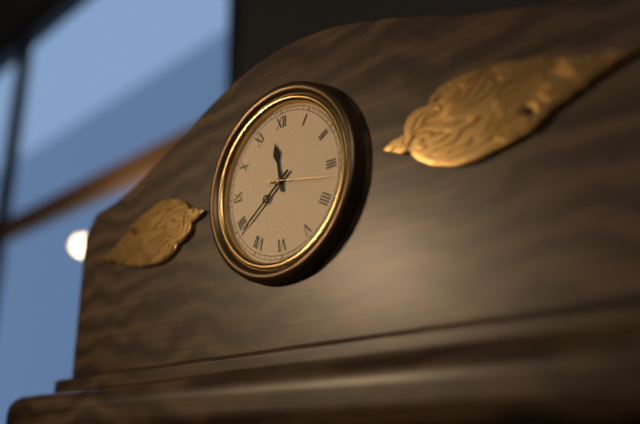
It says 11:39:17
